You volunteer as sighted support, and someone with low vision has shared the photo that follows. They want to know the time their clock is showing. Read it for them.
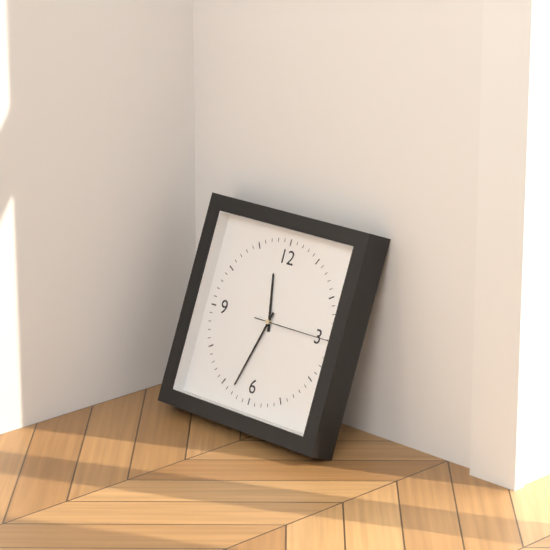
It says 11:33:15
